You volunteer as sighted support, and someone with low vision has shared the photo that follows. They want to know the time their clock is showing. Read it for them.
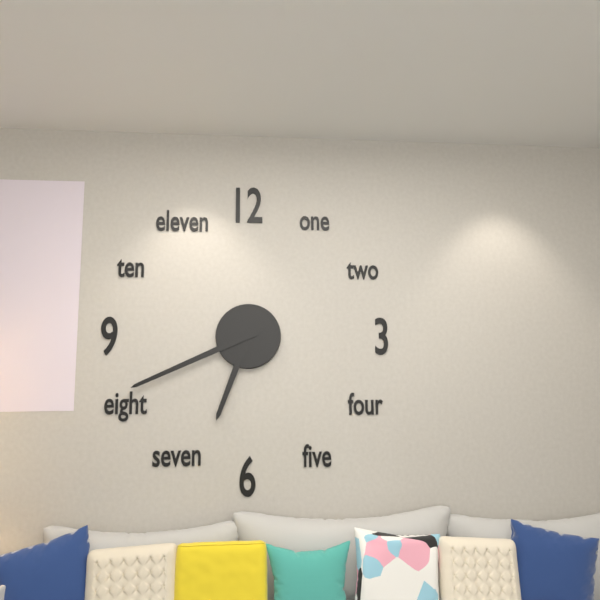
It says 6:41
